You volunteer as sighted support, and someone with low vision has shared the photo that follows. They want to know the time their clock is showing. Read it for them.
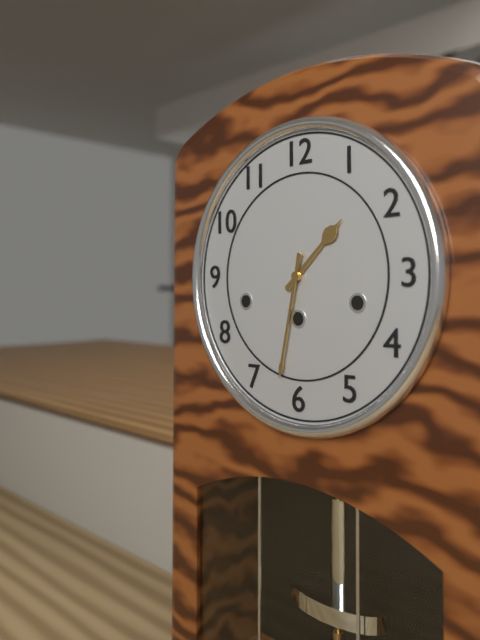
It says 1:32
